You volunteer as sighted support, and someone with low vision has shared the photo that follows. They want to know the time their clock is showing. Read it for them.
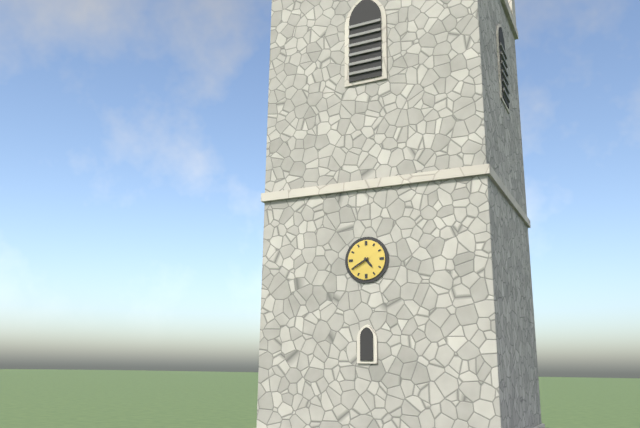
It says 4:40
